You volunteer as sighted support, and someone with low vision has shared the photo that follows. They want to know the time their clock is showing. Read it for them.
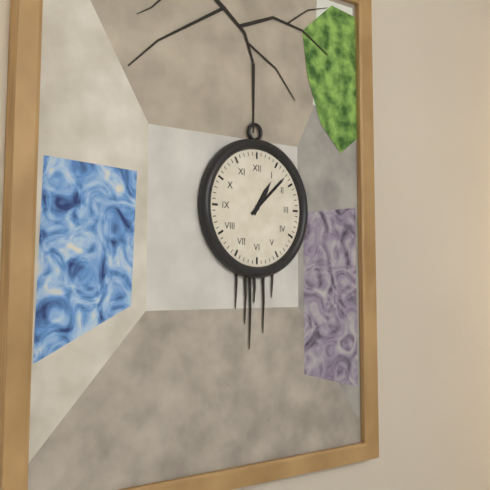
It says 1:08
